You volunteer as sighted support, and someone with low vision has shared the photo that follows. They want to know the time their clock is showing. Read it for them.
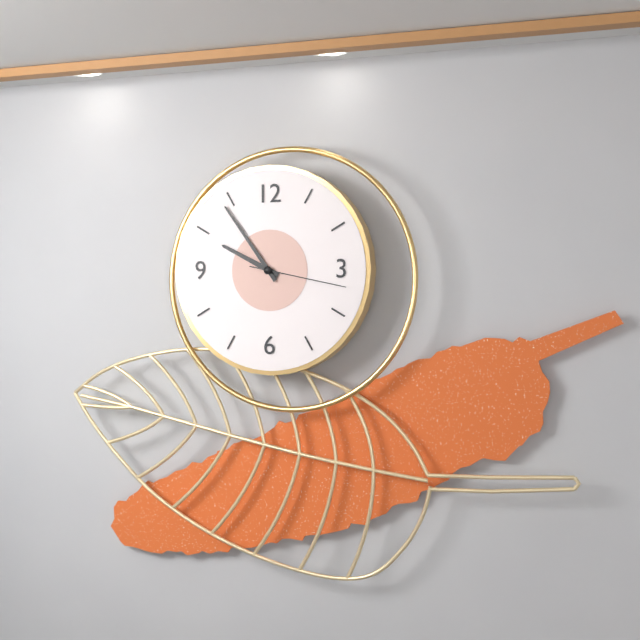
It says 9:54:17
